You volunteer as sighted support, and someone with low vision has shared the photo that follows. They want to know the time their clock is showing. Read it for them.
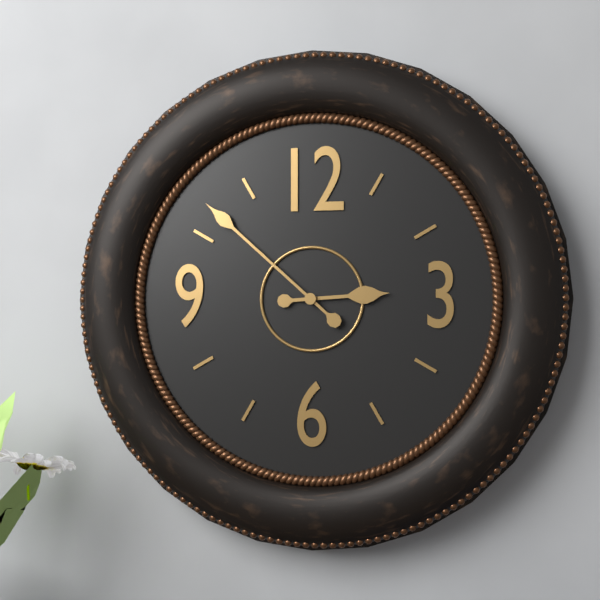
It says 2:52
